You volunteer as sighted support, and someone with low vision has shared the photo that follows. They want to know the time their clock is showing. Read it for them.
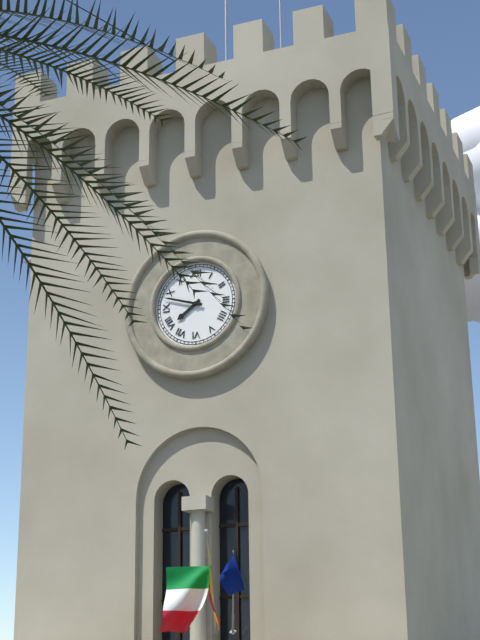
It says 7:48
